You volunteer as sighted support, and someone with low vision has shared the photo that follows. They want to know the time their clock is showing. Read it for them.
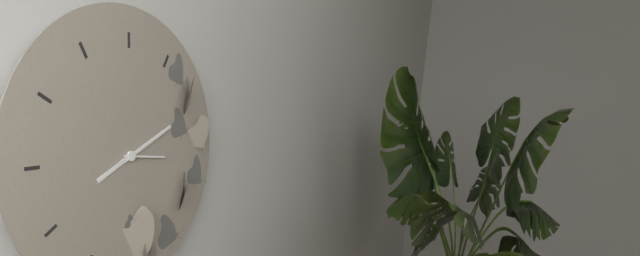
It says 8:11
